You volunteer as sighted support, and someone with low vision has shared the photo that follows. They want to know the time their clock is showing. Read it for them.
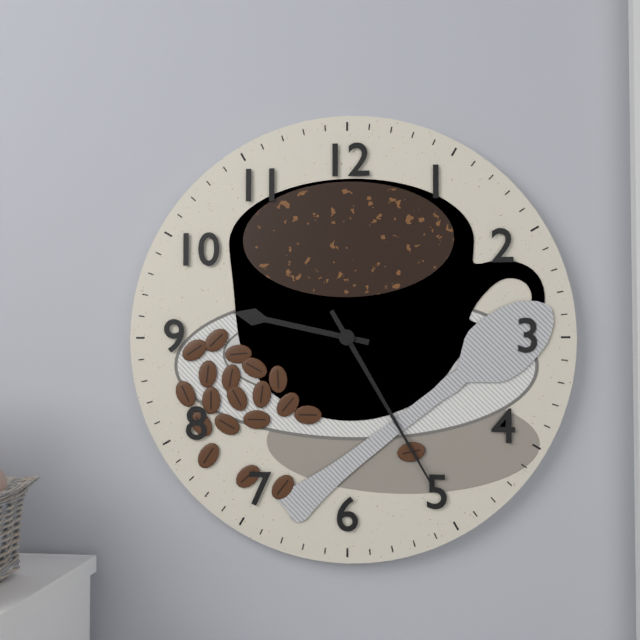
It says 9:25
